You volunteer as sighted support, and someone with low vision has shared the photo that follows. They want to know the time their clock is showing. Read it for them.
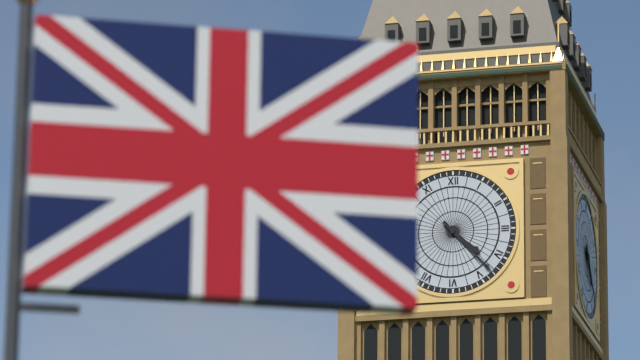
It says 4:23
